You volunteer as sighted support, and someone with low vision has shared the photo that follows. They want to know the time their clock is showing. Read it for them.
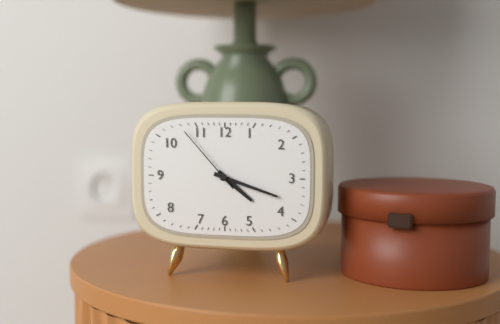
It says 4:18:53
